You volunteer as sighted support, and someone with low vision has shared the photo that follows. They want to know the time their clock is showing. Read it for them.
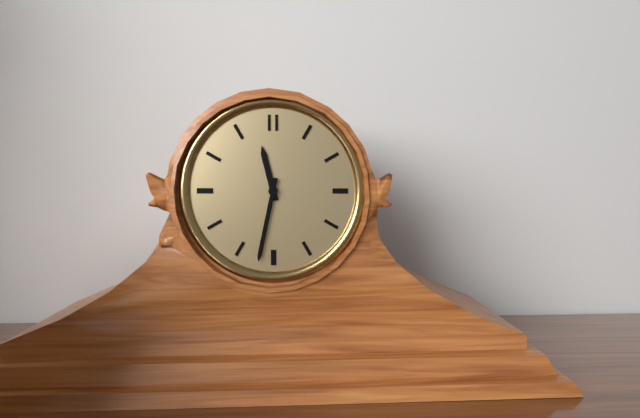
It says 11:32
